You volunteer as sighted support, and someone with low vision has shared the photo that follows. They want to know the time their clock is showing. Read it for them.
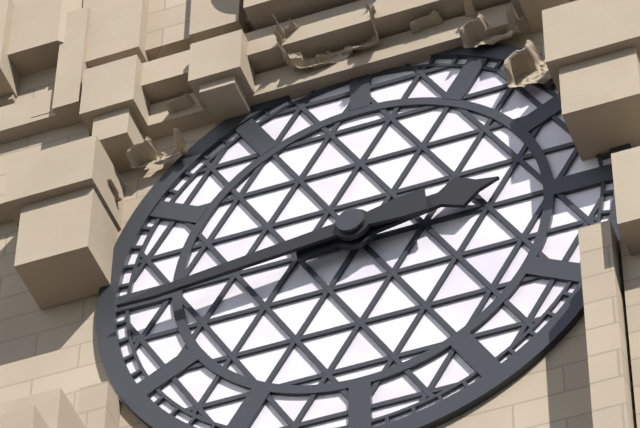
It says 2:44
